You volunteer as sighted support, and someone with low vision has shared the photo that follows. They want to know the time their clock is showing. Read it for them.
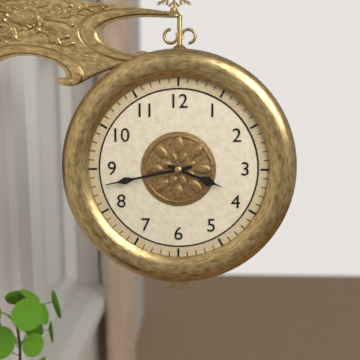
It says 3:43
